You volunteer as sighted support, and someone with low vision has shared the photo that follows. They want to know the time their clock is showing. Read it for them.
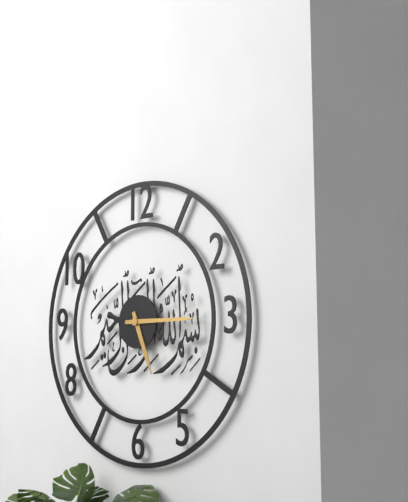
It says 5:15
